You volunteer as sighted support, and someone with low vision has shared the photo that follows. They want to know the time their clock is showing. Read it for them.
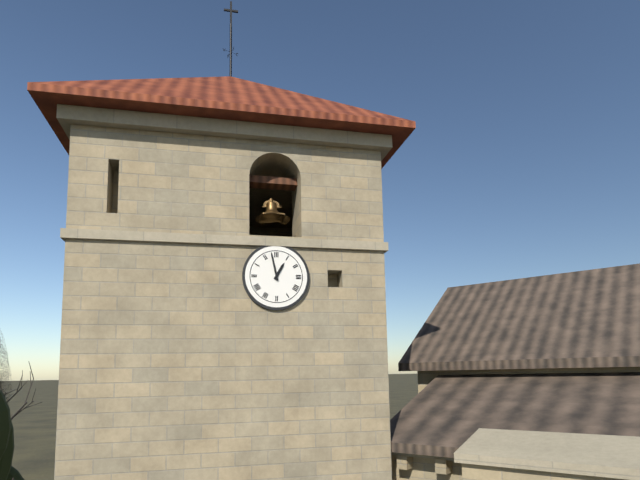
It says 12:58
